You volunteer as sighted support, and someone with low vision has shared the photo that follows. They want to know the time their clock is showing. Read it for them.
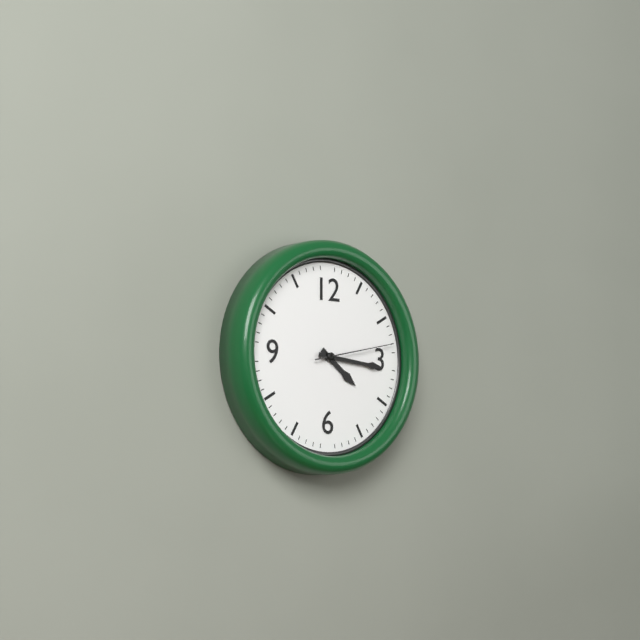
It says 4:16:13
